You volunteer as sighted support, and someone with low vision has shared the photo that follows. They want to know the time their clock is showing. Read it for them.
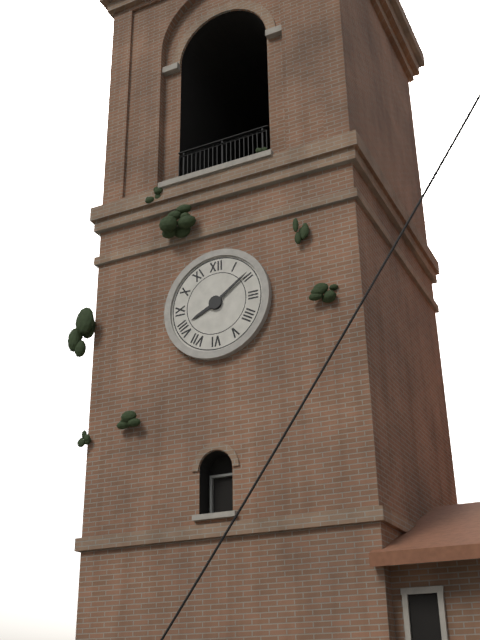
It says 8:09
